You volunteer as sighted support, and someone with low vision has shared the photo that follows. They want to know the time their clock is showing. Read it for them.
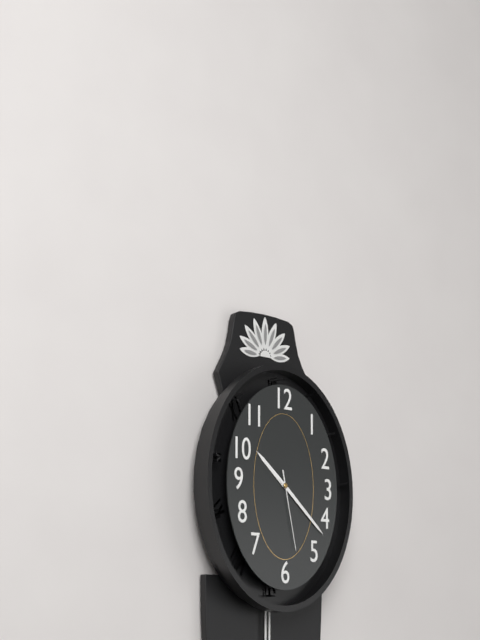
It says 10:22:28
